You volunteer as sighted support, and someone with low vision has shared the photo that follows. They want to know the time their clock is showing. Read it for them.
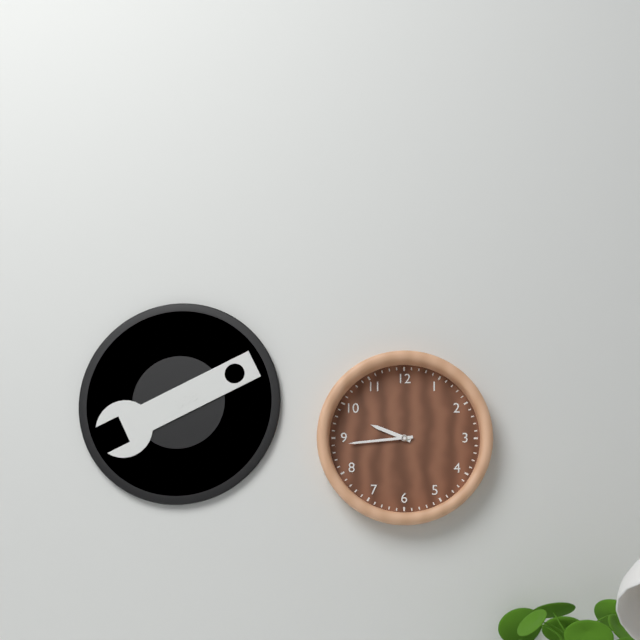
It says 9:44
